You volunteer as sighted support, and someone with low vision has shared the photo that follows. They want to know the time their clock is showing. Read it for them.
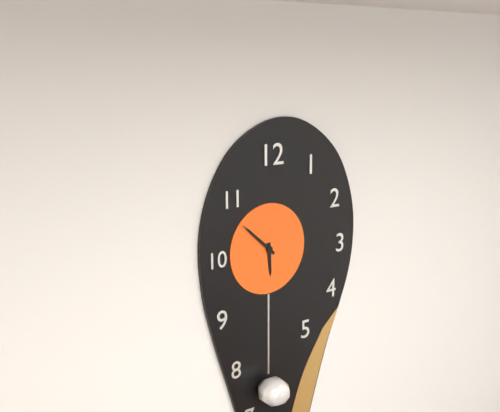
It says 5:52
